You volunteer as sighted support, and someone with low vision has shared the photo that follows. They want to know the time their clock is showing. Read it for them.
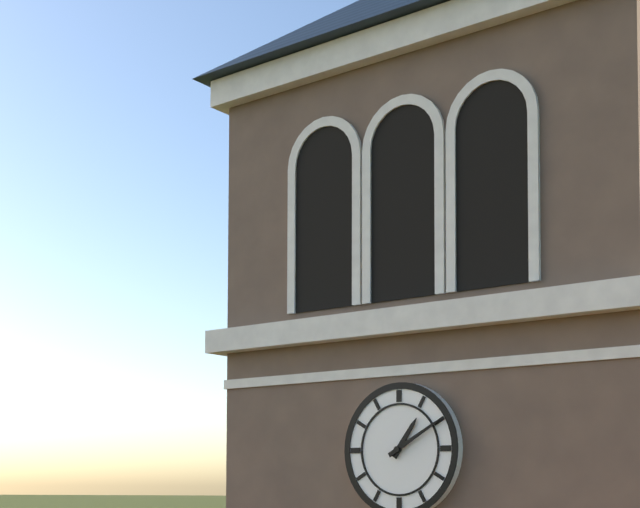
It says 1:10
